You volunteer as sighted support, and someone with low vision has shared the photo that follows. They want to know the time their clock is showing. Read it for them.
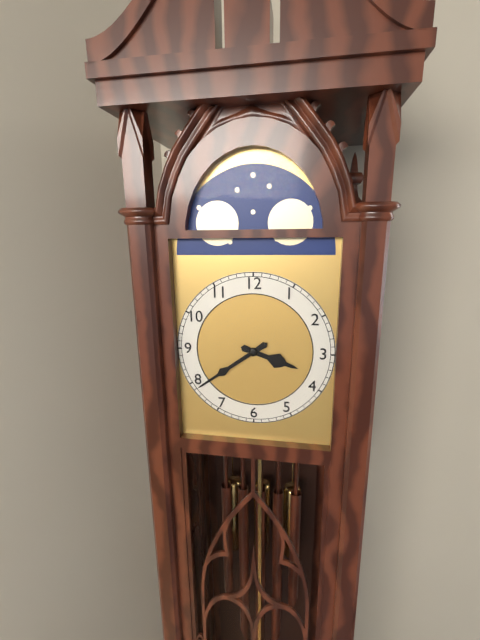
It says 3:39
